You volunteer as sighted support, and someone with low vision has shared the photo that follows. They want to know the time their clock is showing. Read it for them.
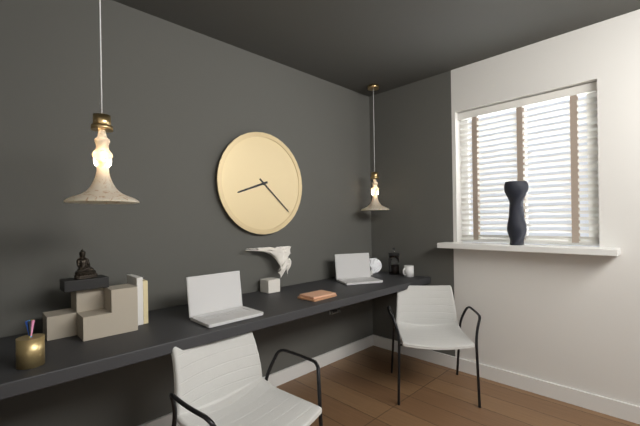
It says 8:22
